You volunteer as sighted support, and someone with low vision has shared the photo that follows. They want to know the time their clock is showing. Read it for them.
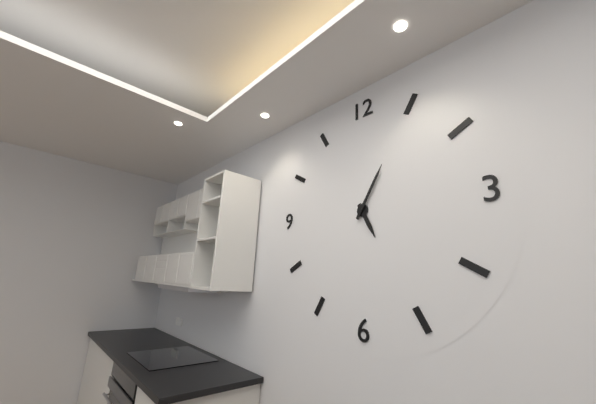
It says 5:05
